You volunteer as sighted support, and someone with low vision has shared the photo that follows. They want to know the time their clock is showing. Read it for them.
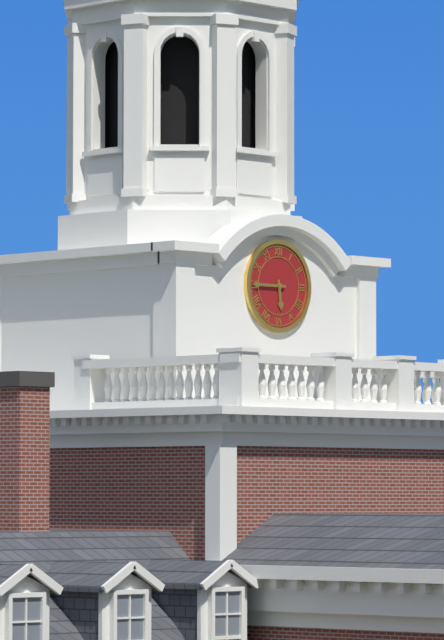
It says 5:45
